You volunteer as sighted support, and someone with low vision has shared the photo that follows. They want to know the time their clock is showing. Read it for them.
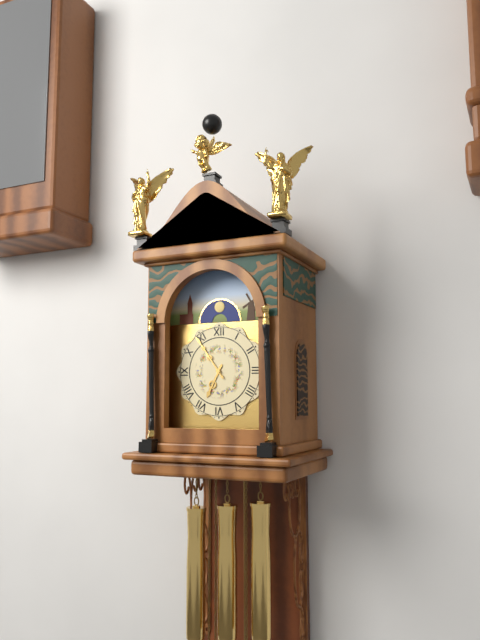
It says 6:54
